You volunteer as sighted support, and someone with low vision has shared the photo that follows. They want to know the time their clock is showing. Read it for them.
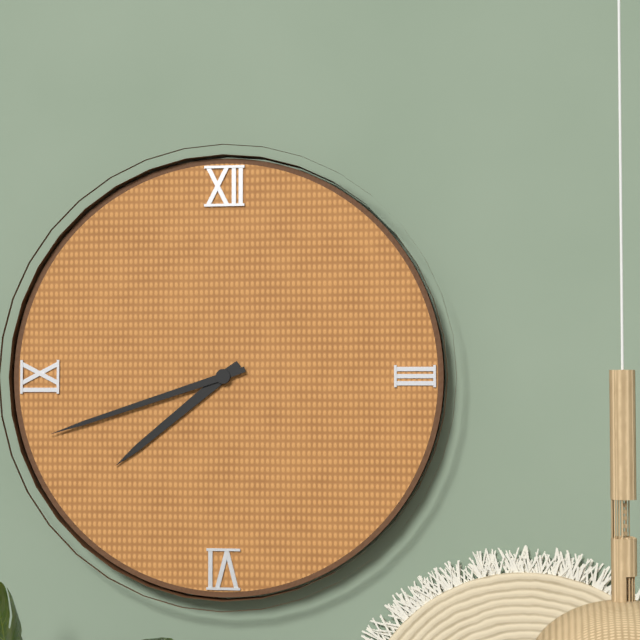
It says 7:42
